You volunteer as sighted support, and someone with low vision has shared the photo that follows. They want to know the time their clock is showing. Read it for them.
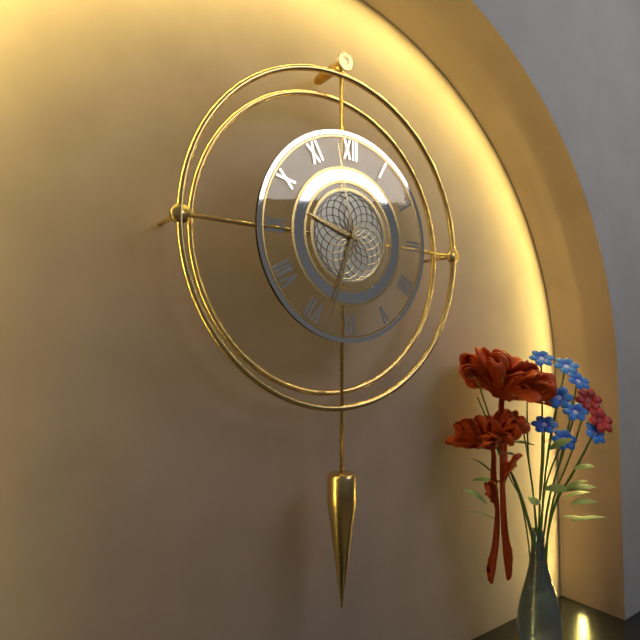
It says 9:33:58
